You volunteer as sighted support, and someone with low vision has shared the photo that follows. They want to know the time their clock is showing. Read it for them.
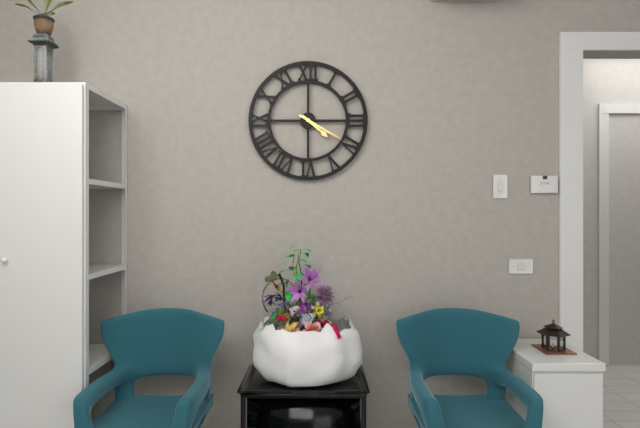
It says 4:20
